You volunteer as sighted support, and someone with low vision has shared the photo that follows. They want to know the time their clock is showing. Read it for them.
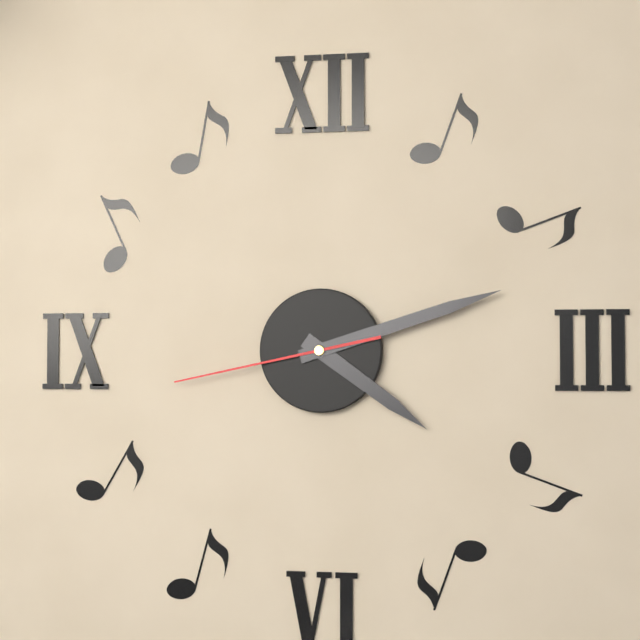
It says 4:12:43
